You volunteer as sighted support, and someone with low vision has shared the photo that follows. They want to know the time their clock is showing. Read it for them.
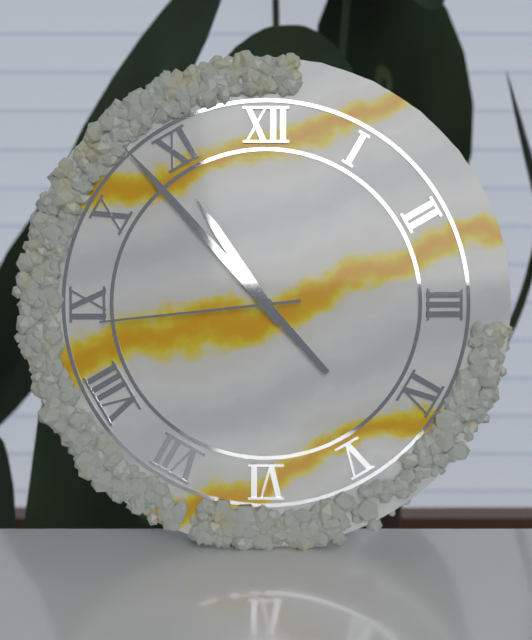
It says 10:53:44
